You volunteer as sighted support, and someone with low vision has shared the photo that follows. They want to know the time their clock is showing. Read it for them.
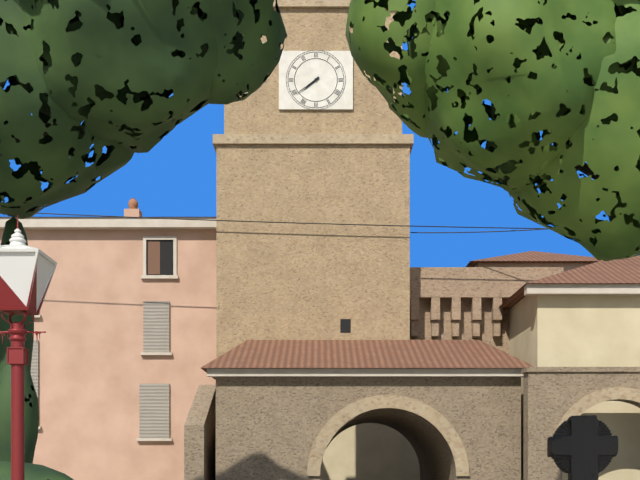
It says 7:39
